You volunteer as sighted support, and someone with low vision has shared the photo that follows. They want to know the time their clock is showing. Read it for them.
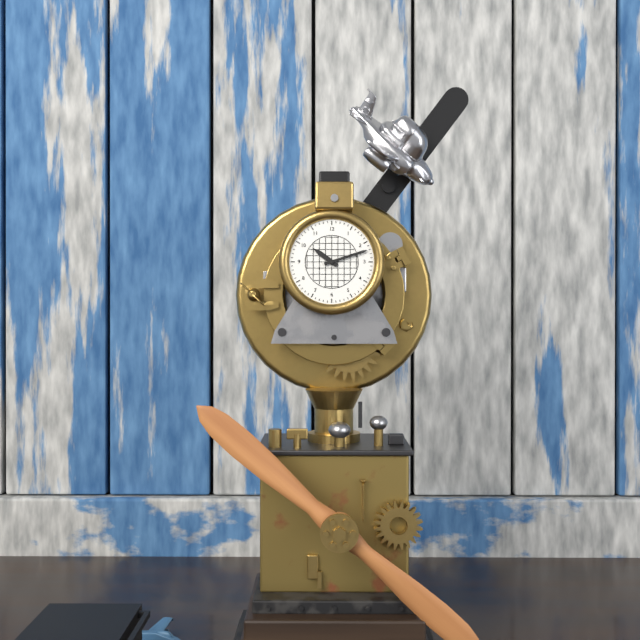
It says 10:12
